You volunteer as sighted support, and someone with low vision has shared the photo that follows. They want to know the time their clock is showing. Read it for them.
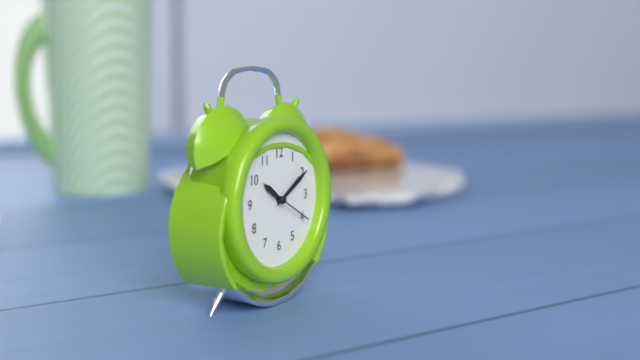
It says 10:10
